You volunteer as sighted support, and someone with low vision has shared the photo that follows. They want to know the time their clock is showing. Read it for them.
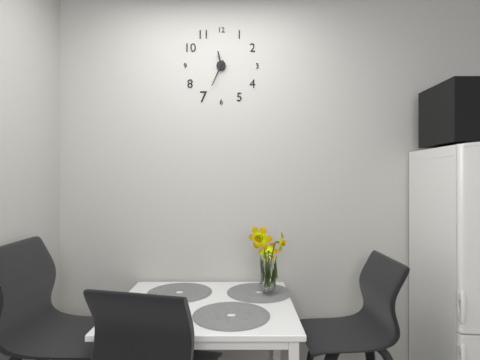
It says 11:34
